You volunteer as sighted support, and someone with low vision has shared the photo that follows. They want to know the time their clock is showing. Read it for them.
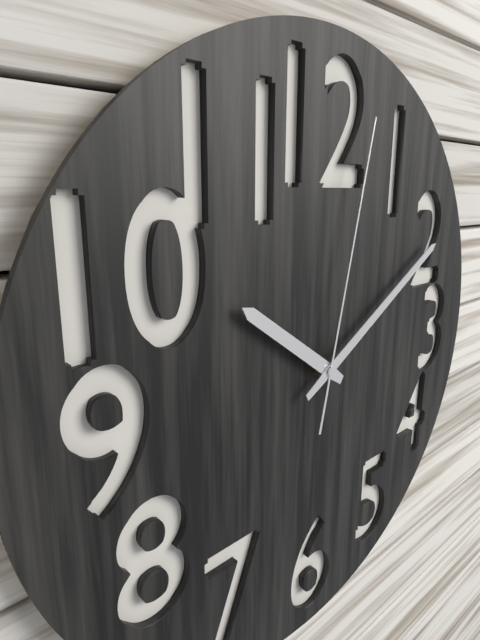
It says 10:10:02
